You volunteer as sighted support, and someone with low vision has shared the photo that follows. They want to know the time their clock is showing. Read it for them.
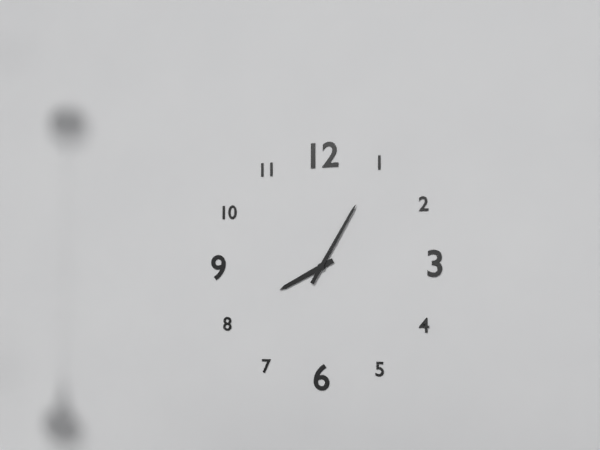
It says 8:05
